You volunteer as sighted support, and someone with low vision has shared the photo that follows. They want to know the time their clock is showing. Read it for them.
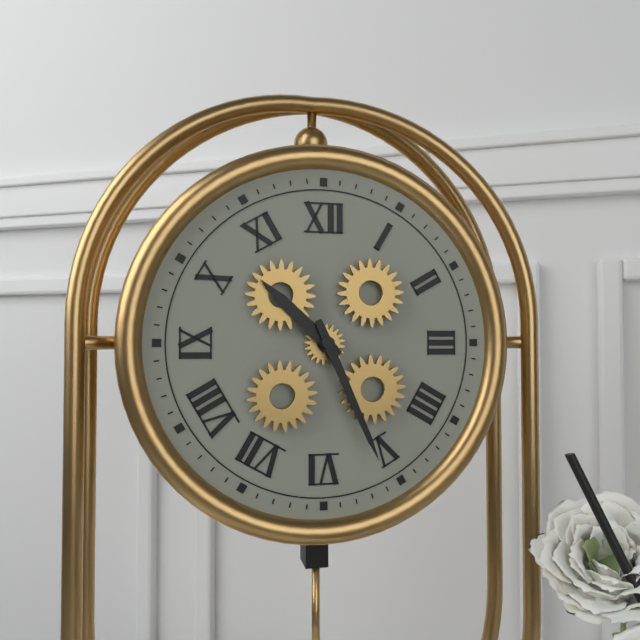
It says 10:26
